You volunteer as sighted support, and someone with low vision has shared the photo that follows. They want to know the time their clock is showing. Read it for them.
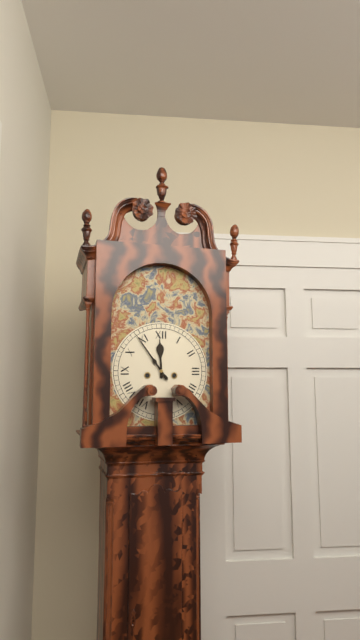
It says 11:54
